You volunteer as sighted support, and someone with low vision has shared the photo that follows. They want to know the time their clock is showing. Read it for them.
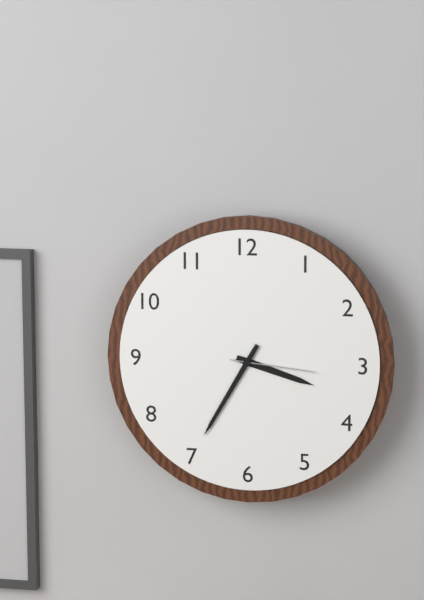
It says 3:35:16
